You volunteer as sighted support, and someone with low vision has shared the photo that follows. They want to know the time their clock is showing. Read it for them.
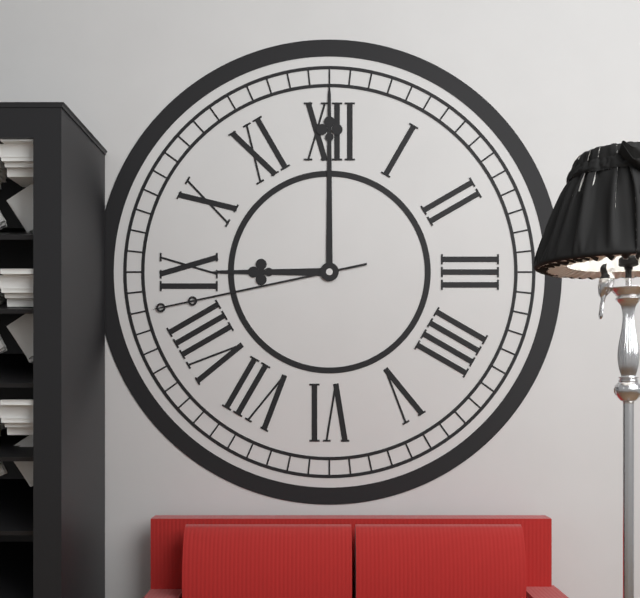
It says 9:00:43
